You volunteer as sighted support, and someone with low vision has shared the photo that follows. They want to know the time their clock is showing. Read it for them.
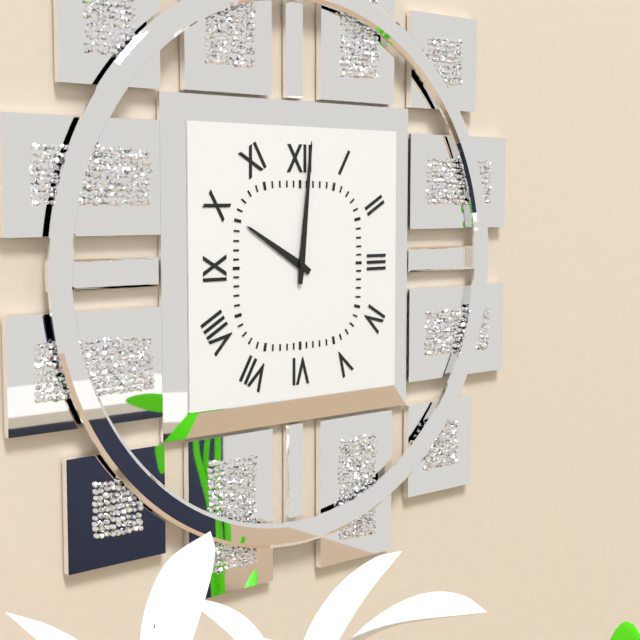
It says 10:01
